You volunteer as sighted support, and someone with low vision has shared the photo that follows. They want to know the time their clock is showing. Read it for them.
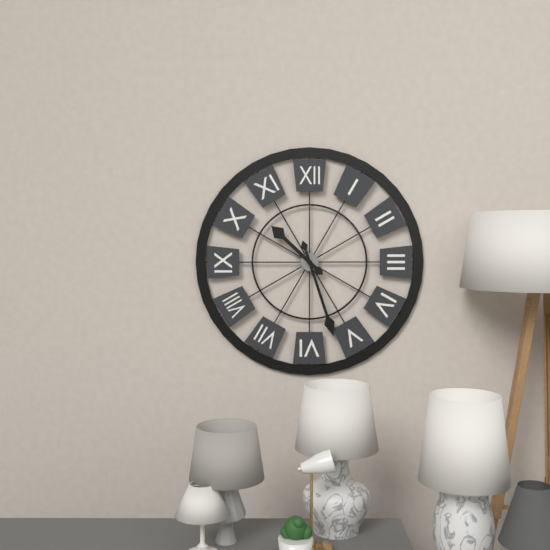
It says 10:27
